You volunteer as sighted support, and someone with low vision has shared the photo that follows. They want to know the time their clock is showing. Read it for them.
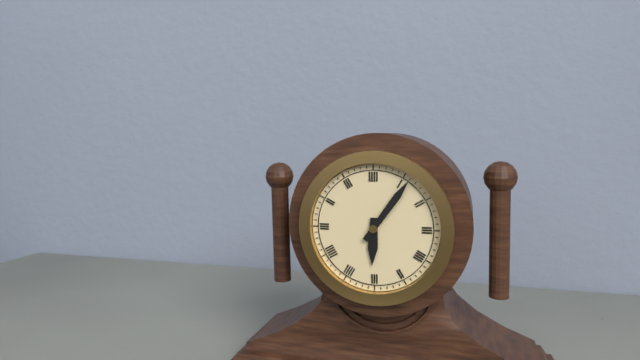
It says 6:06
